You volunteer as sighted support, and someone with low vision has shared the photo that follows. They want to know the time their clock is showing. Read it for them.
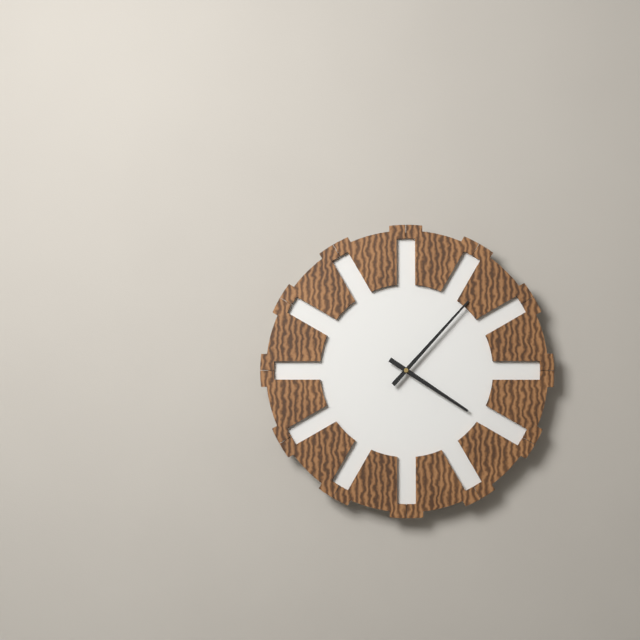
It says 4:07
